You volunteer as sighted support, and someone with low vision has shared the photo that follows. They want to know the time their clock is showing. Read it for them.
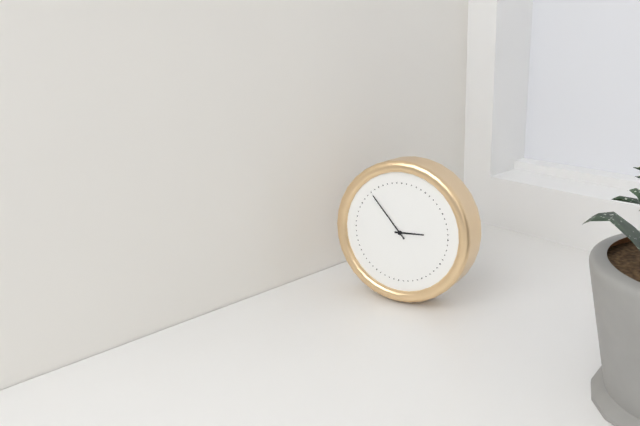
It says 2:53
